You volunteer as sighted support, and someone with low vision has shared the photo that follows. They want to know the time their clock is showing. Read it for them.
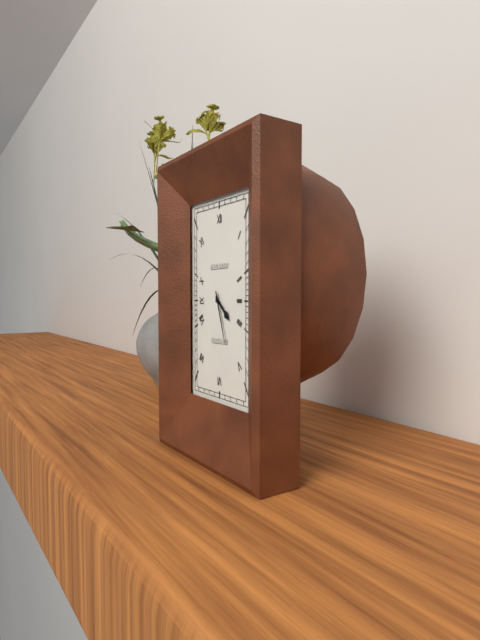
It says 4:27
